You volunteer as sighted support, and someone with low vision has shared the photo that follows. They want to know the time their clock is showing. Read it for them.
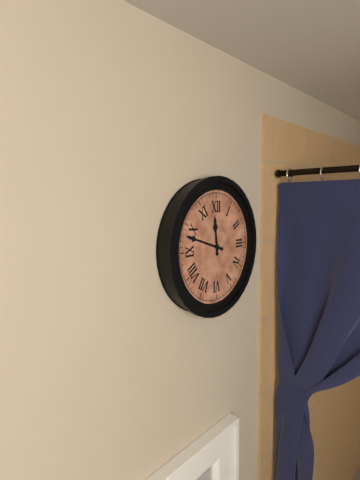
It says 11:48
